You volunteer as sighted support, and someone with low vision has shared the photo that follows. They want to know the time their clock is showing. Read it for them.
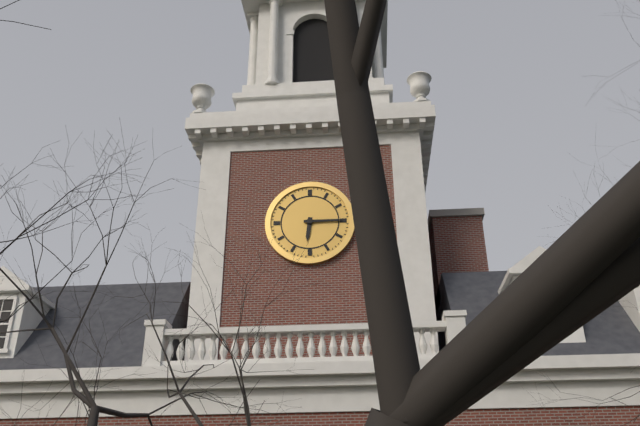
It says 6:15
